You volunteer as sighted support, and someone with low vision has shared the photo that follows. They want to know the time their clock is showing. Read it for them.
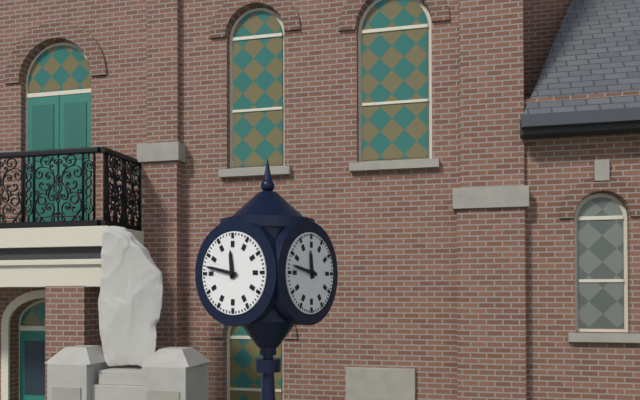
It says 11:47
